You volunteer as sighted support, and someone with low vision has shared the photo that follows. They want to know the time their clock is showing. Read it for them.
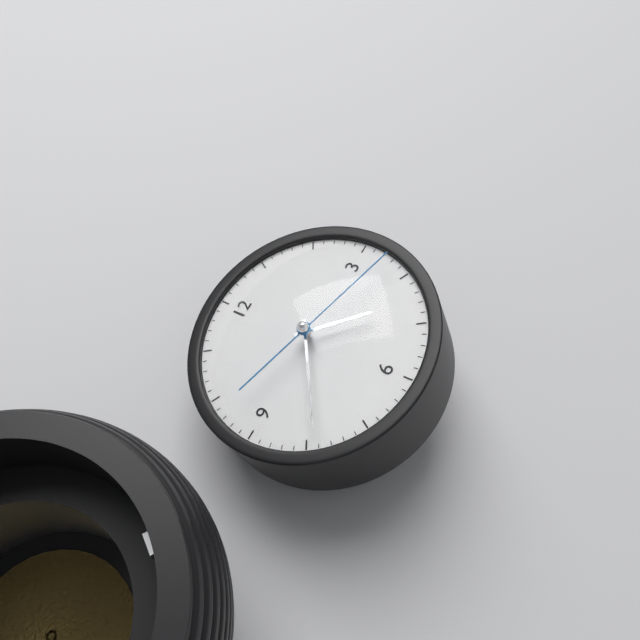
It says 4:39:18
